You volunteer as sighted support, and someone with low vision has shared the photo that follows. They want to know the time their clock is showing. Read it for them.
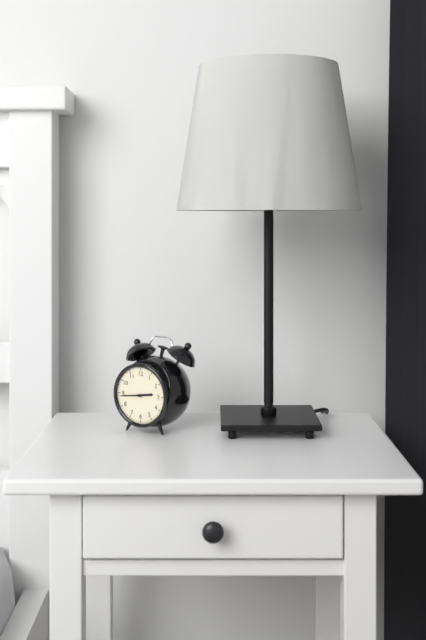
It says 2:44
